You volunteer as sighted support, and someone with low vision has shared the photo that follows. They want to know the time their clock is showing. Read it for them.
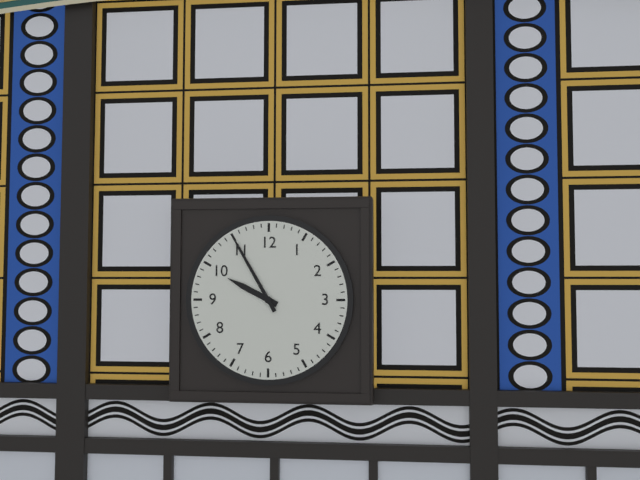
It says 9:55
